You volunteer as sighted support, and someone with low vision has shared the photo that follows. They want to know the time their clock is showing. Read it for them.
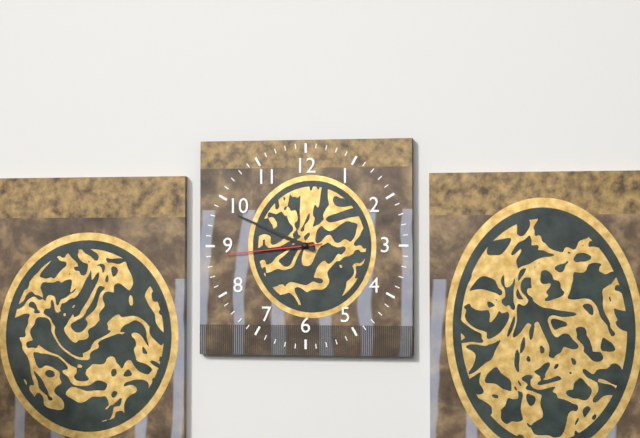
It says 8:49:44
